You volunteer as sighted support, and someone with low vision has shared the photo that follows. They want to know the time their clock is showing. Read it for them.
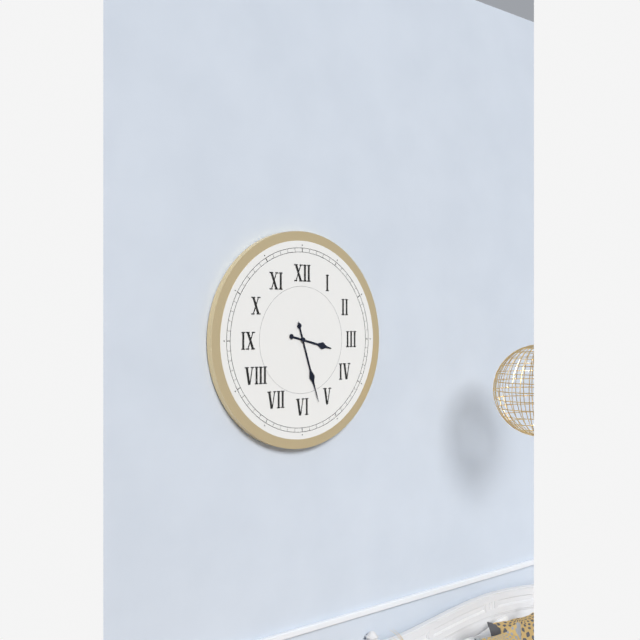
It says 3:27:27
